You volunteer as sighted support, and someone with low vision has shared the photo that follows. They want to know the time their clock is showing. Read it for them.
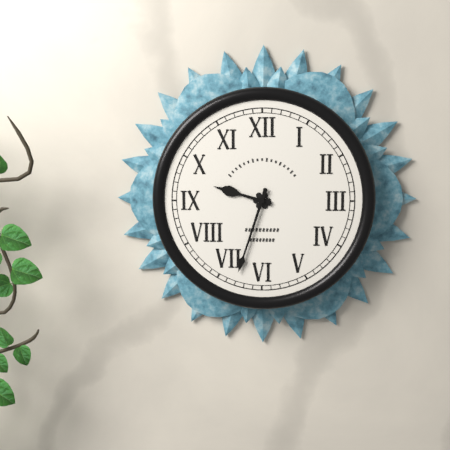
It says 9:33
